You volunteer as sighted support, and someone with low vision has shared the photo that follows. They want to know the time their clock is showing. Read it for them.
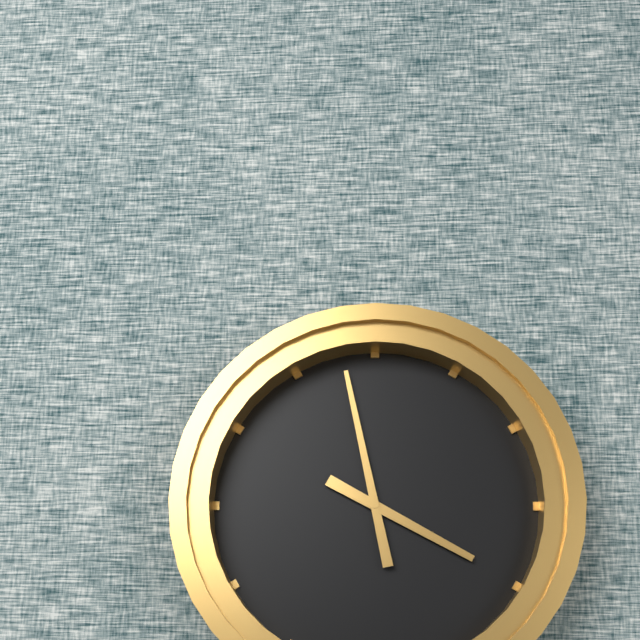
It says 3:58
